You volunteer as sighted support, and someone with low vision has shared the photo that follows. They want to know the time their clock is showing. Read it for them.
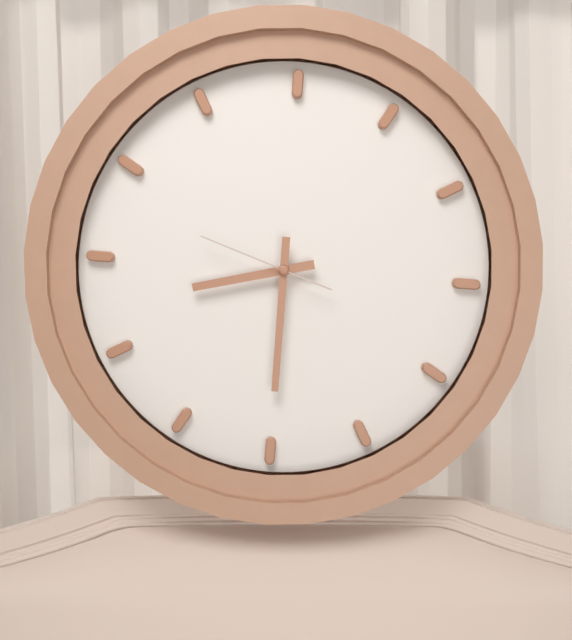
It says 8:30:48
